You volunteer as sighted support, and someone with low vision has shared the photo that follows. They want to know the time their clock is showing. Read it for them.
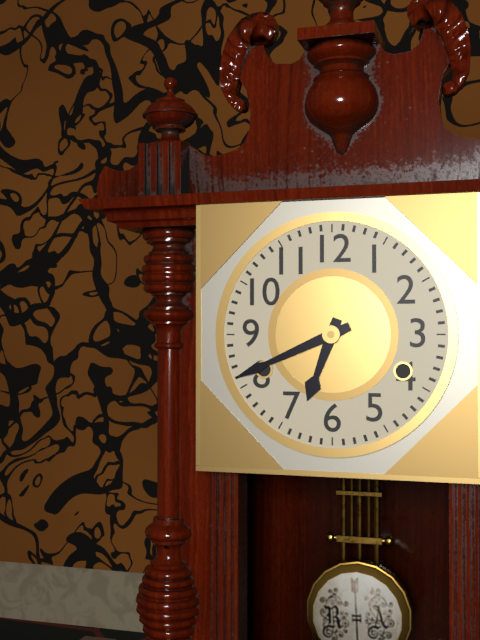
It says 6:41
